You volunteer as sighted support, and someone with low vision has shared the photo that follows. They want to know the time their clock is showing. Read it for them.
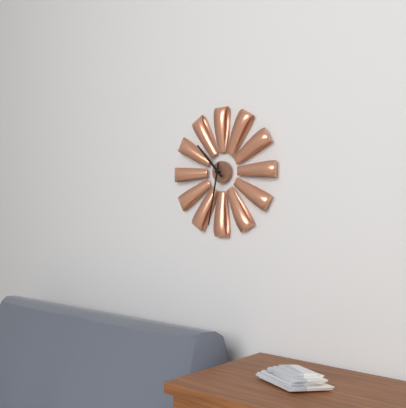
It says 10:32
